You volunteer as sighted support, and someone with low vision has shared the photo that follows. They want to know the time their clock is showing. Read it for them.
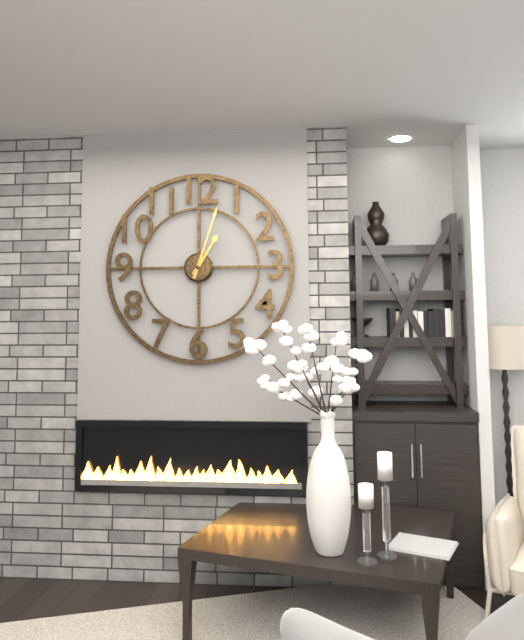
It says 1:03
